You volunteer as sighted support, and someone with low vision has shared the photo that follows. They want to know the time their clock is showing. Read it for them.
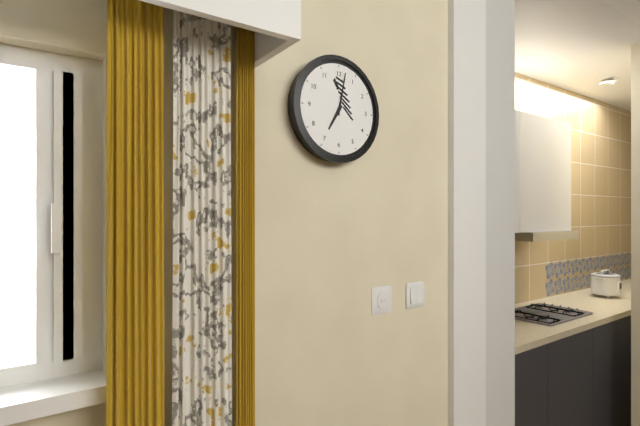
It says 7:02
